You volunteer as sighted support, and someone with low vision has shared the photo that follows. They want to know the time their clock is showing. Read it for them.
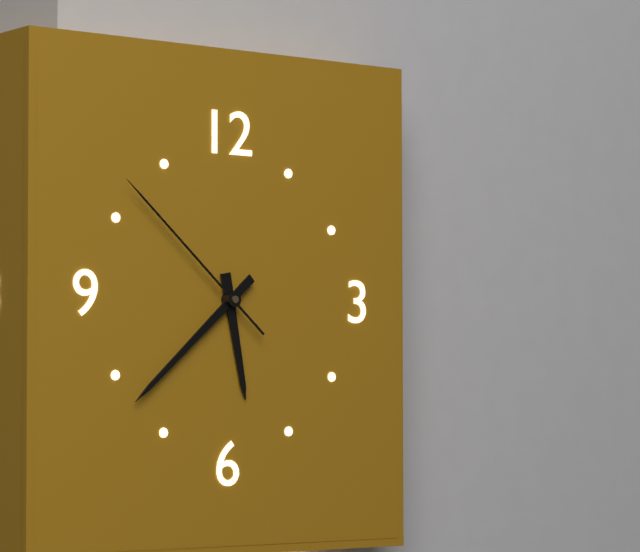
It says 5:38:52
